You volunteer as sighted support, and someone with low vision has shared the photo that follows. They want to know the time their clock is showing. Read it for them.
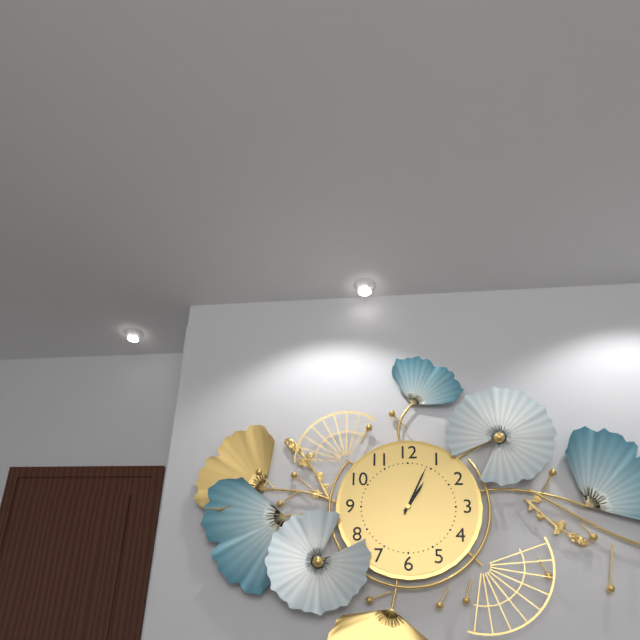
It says 1:04
